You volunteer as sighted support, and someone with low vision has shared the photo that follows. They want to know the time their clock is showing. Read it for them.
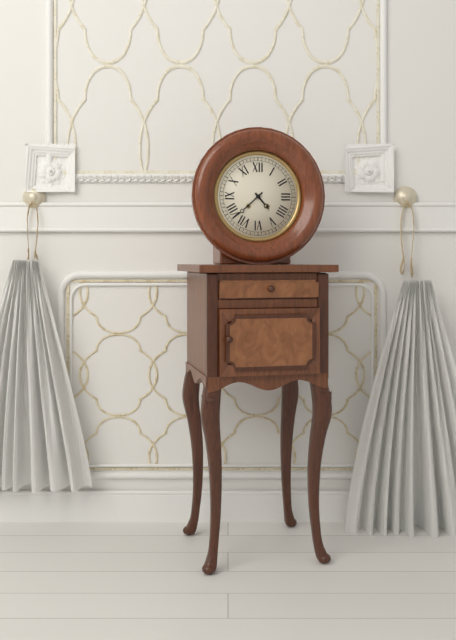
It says 4:38
